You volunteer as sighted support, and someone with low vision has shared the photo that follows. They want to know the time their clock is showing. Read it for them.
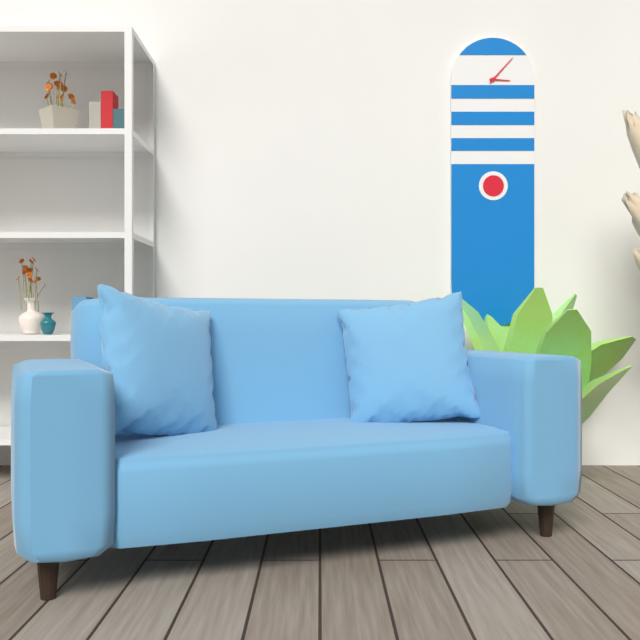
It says 3:07
